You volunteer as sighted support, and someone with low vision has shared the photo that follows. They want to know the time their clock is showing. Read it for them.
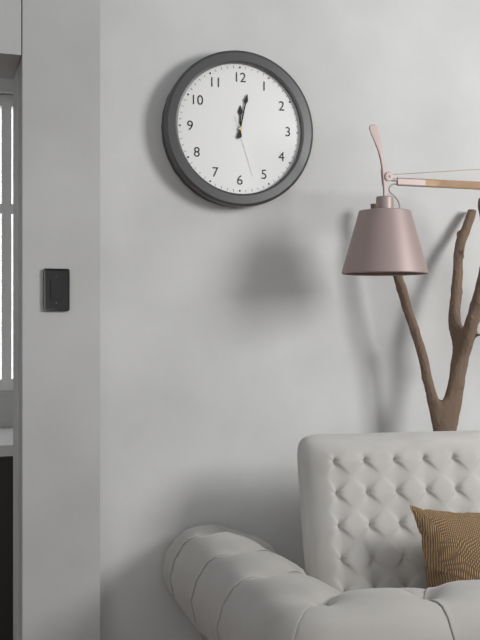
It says 12:02:27
